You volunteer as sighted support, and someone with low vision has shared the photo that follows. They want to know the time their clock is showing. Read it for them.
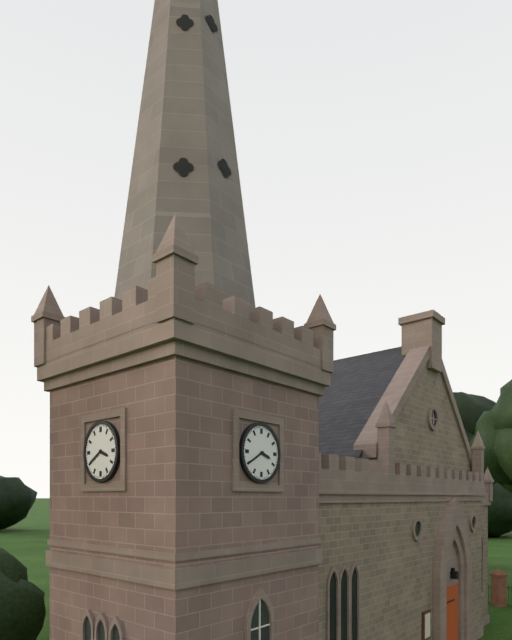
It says 3:40
